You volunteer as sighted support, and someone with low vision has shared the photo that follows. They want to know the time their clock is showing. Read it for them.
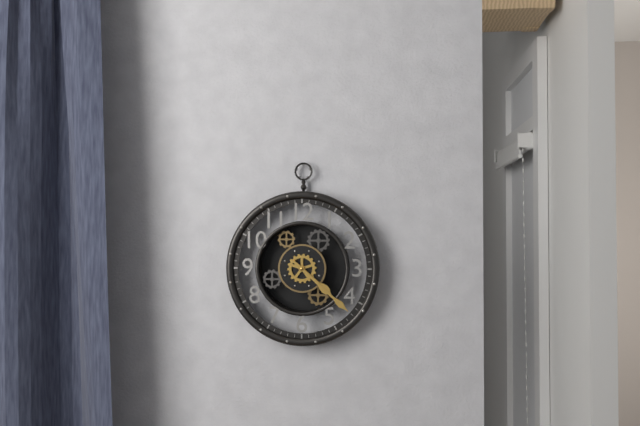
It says 4:22
